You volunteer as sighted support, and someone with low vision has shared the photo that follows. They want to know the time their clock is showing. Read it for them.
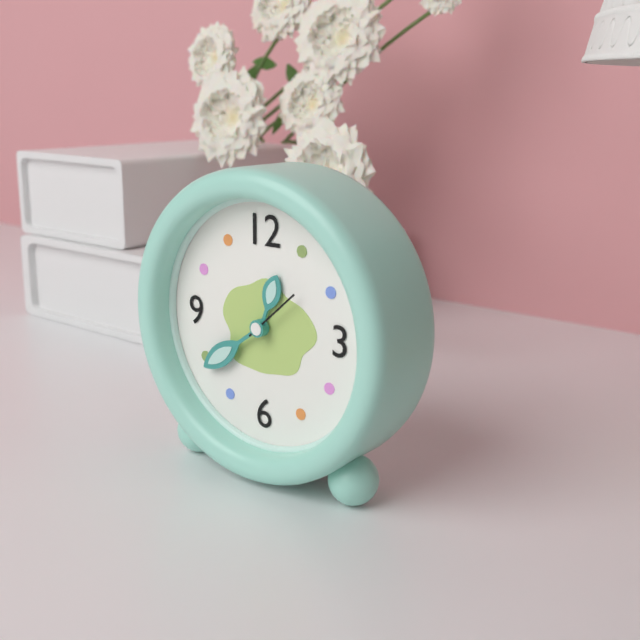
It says 12:39
